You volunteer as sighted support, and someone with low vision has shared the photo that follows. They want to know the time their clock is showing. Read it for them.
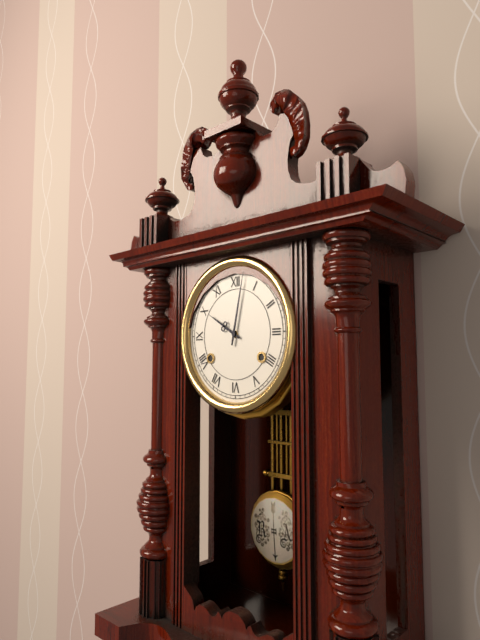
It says 10:02
